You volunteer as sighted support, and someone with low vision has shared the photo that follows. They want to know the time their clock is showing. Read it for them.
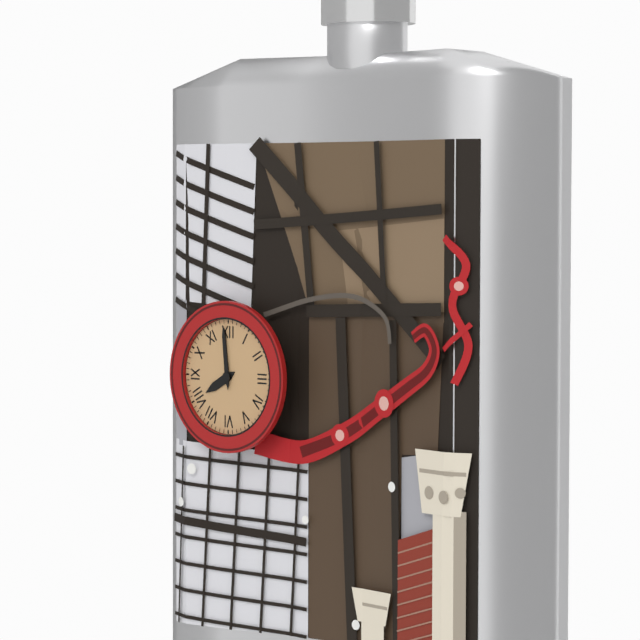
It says 7:59
